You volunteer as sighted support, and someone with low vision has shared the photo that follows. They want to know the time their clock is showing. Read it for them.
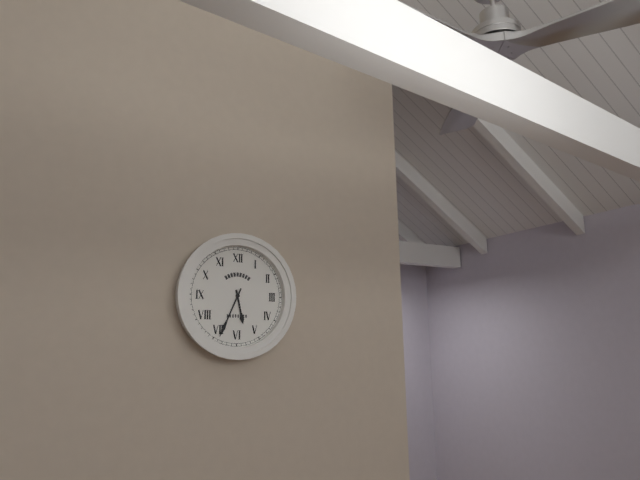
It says 5:34
